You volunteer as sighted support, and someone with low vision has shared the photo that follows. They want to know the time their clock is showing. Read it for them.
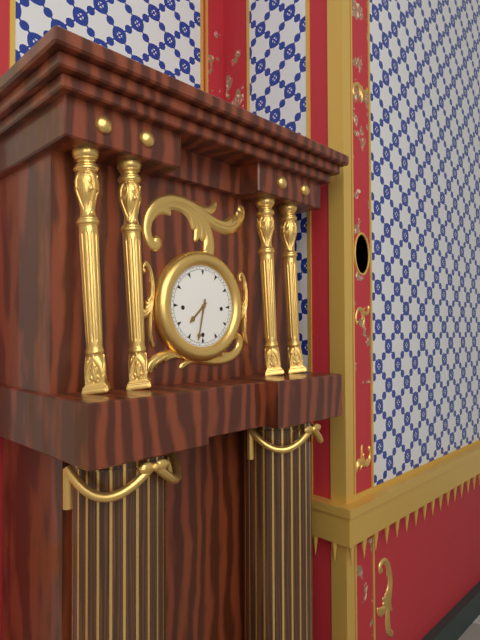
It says 7:32
